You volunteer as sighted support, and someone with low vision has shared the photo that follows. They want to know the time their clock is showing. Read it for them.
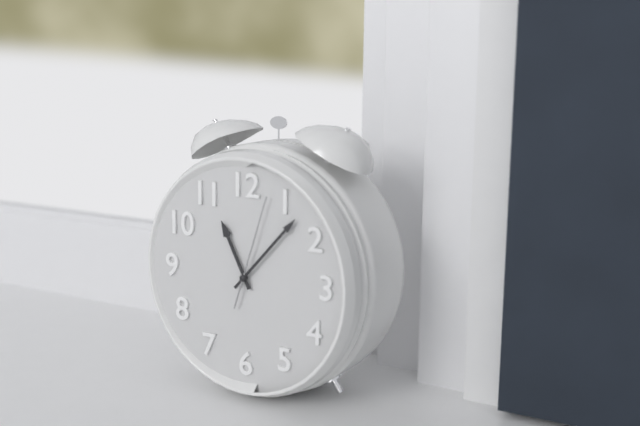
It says 11:07:03
